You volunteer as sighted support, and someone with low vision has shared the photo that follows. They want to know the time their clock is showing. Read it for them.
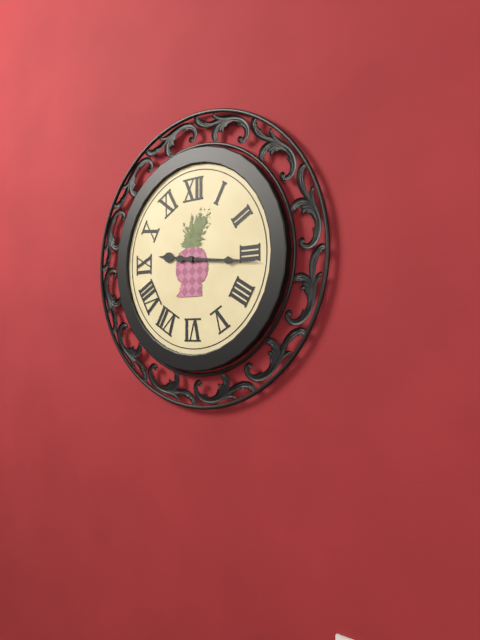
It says 9:16
